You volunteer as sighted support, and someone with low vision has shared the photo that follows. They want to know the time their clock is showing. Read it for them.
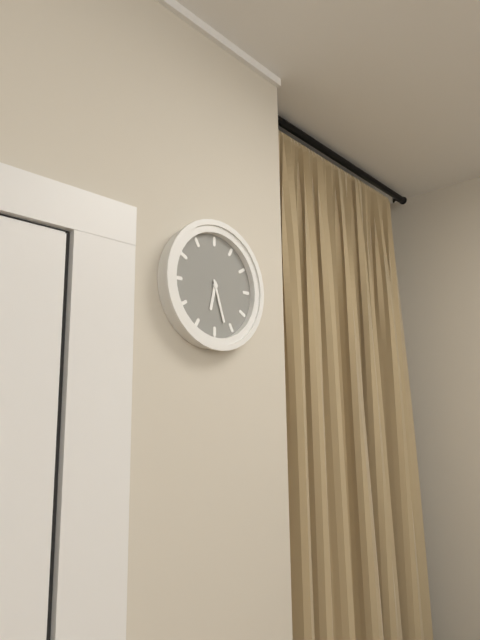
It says 6:27
